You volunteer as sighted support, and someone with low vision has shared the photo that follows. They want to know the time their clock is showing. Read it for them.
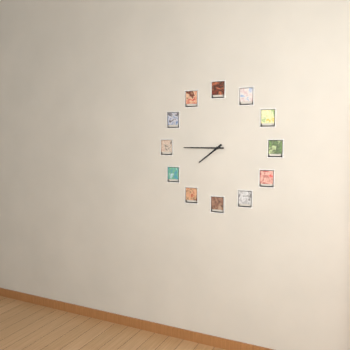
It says 7:45
